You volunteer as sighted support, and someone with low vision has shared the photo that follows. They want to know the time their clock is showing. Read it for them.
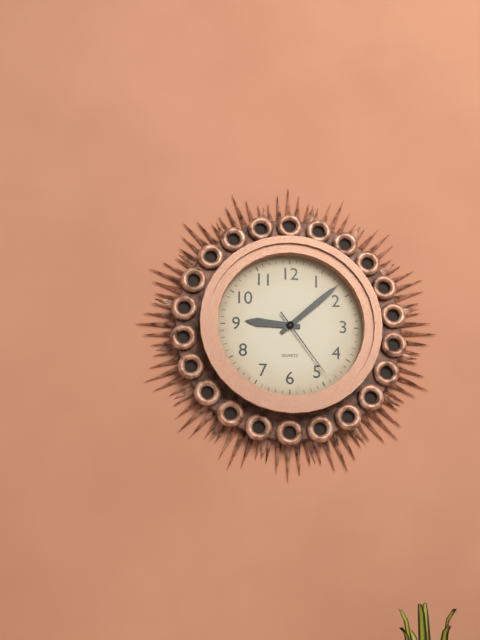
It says 9:08:24
